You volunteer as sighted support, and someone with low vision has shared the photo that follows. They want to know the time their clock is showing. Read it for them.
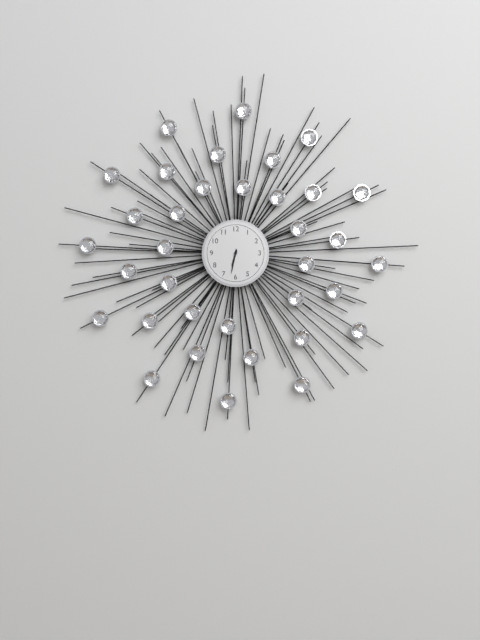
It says 6:32
